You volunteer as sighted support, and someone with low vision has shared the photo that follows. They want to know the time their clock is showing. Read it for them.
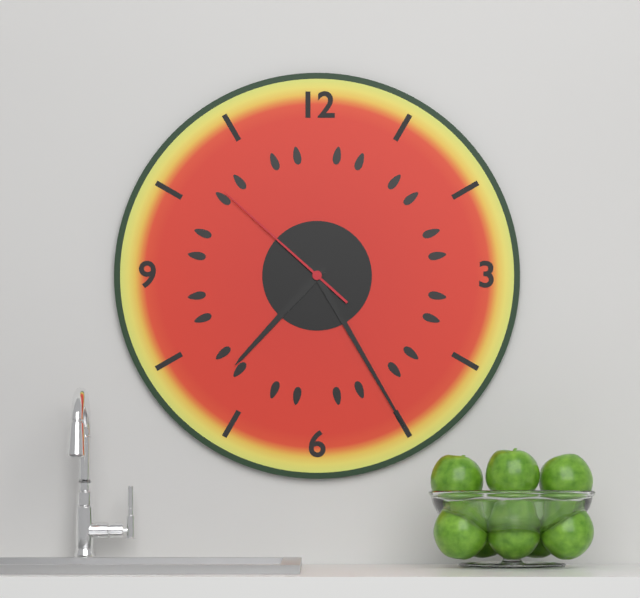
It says 7:25:52
